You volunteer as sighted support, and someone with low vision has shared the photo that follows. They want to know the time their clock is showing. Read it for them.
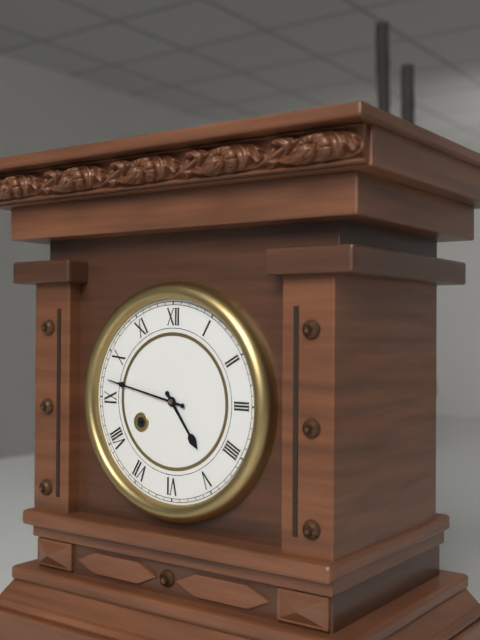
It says 4:47
